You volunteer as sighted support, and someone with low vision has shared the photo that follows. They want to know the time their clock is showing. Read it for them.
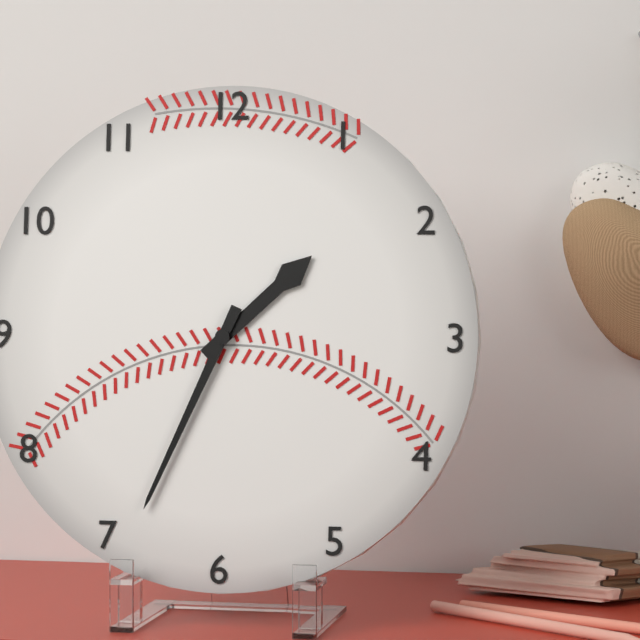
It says 1:34
